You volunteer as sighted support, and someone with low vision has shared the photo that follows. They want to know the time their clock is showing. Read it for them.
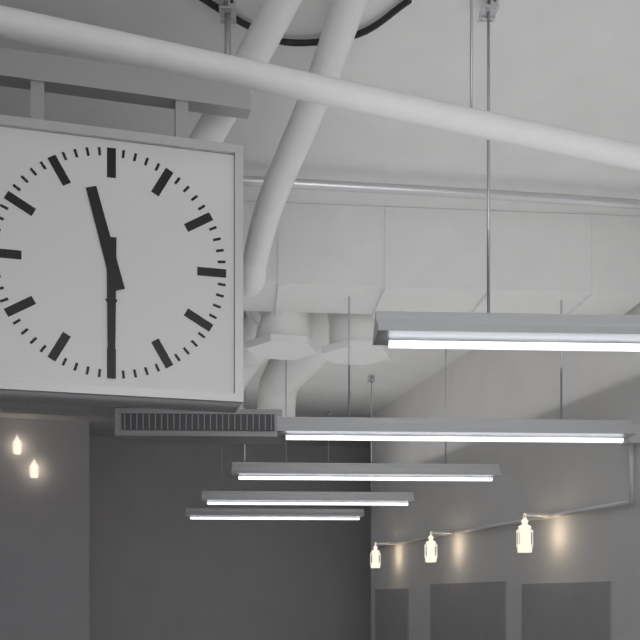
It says 11:30
